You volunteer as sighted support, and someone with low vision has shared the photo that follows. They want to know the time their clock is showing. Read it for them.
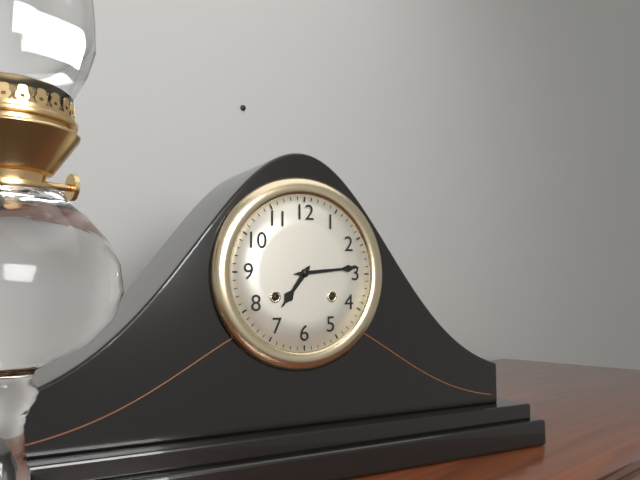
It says 7:14
